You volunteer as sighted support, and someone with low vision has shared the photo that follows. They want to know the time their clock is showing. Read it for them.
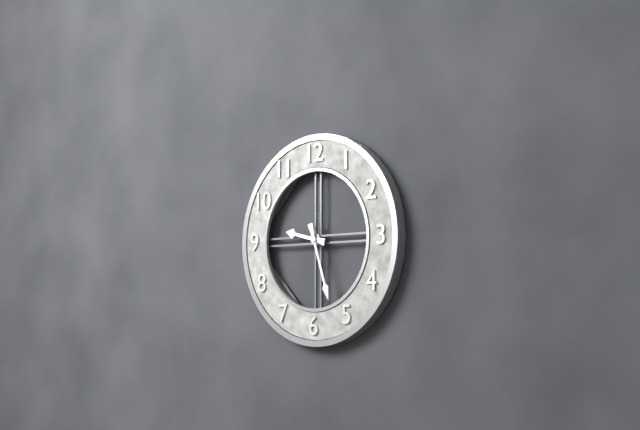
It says 9:27
